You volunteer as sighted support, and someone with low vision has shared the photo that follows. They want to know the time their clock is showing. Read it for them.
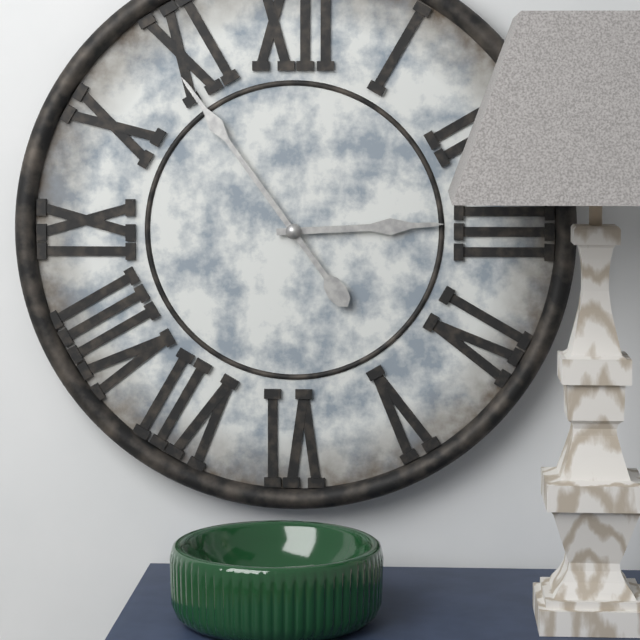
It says 2:54
